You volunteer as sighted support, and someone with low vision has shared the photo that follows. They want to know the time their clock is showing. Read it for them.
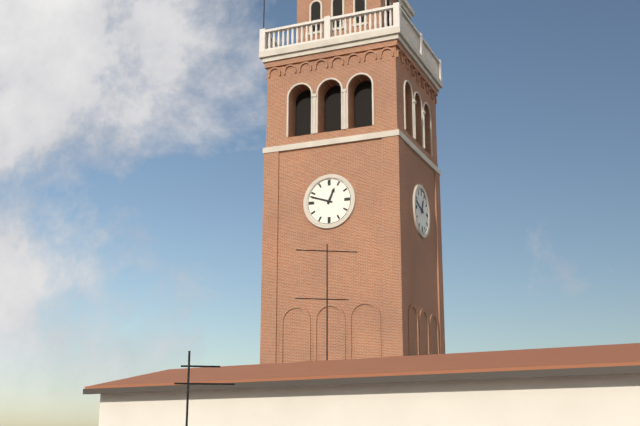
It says 12:48
